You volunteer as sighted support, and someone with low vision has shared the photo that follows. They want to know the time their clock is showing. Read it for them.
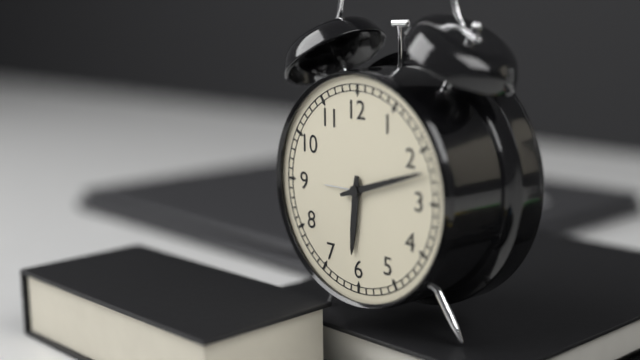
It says 6:12
